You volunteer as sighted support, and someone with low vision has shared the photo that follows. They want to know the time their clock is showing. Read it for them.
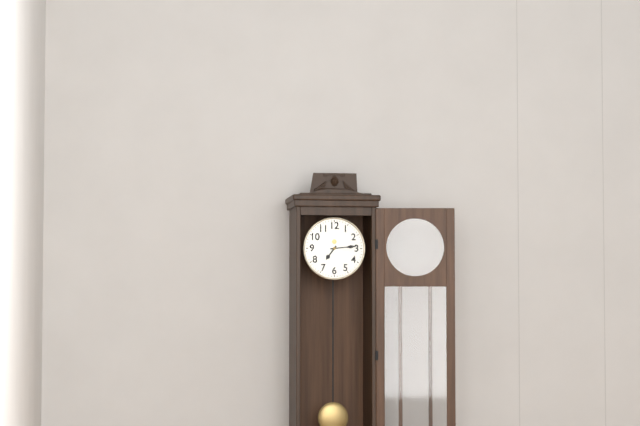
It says 7:14
